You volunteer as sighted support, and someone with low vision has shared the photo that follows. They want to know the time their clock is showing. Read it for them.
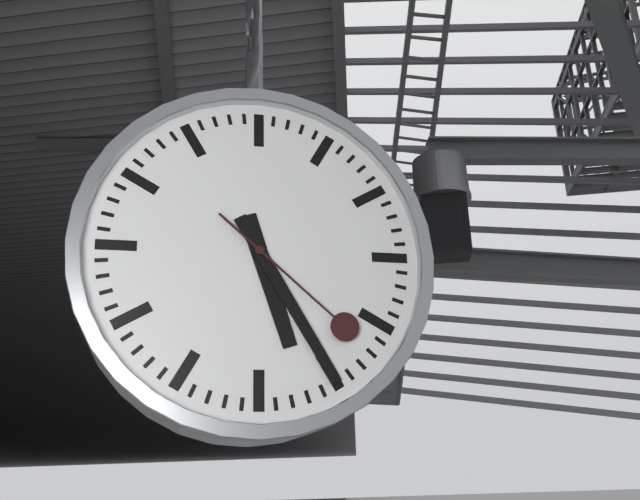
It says 5:25:22
